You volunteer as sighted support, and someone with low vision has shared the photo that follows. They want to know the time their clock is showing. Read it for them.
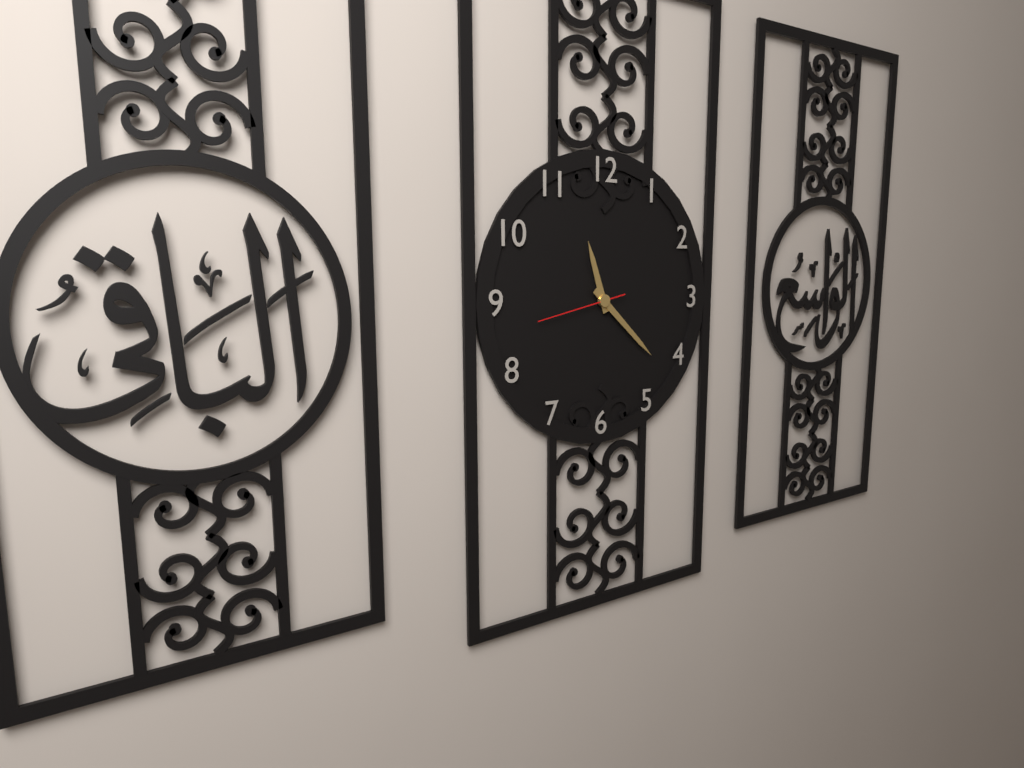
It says 11:22:43
